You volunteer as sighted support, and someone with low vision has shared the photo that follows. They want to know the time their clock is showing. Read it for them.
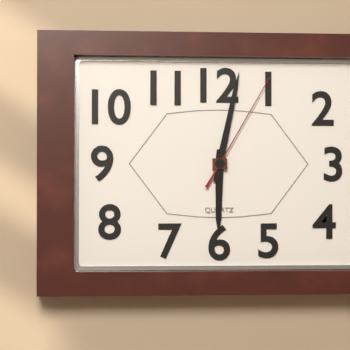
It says 6:02:05
